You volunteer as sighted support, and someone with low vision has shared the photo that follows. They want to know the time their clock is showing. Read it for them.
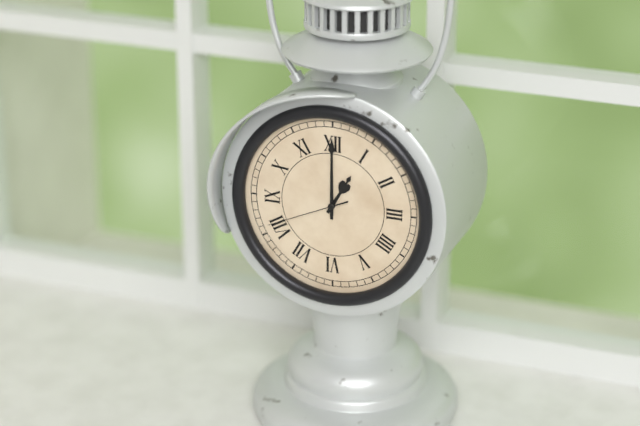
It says 1:00:41
